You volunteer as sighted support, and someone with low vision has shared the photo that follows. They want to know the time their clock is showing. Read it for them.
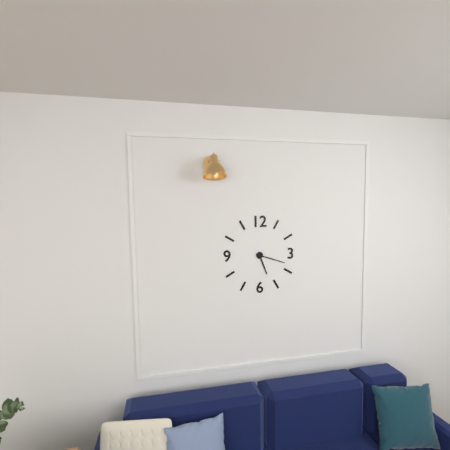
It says 5:18
